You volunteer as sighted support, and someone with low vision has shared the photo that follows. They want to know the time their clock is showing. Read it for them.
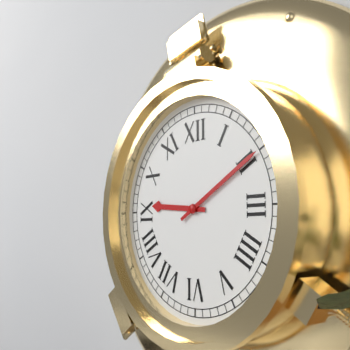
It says 9:10
